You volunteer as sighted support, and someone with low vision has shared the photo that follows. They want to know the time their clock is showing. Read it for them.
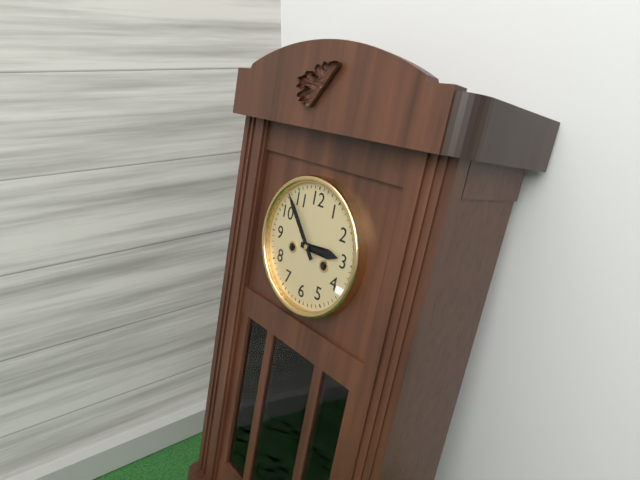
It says 2:53
